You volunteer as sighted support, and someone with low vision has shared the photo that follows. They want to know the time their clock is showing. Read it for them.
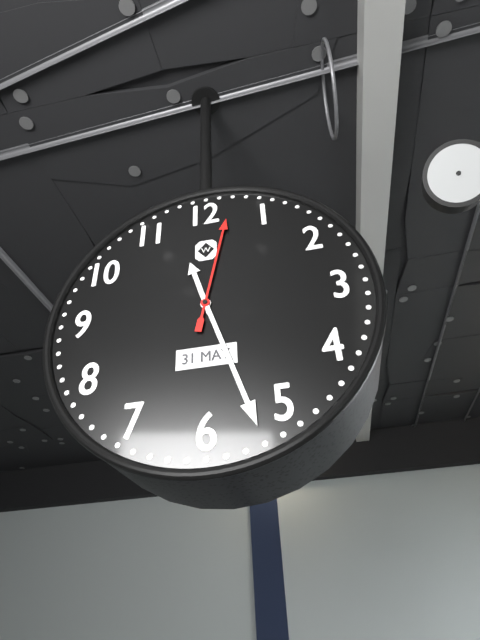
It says 11:27:02
